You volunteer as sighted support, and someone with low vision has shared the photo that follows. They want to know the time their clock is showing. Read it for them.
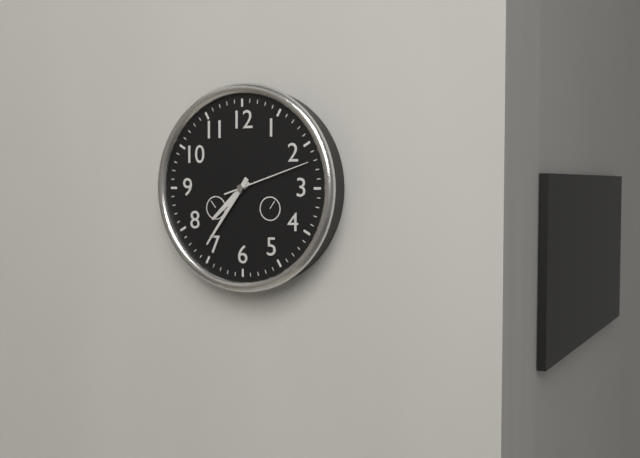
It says 7:36:12
